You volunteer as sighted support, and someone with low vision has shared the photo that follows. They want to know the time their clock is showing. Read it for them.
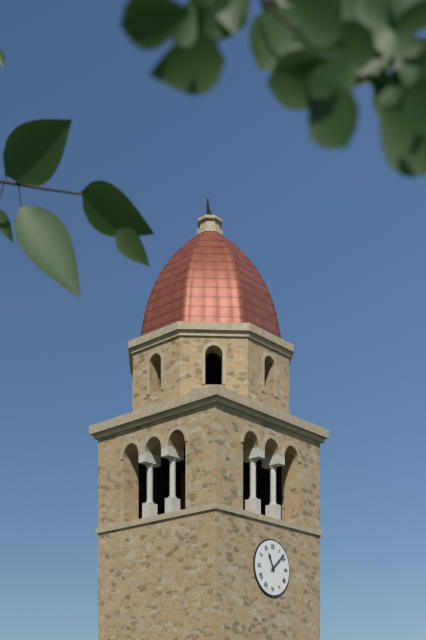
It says 11:08
